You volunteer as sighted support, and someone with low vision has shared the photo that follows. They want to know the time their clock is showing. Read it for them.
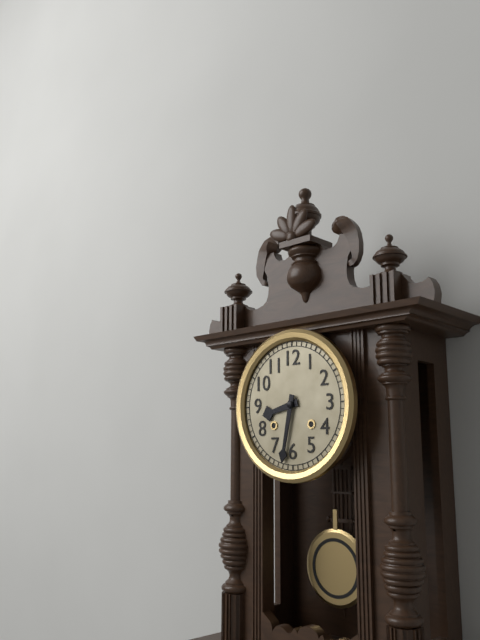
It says 8:32
